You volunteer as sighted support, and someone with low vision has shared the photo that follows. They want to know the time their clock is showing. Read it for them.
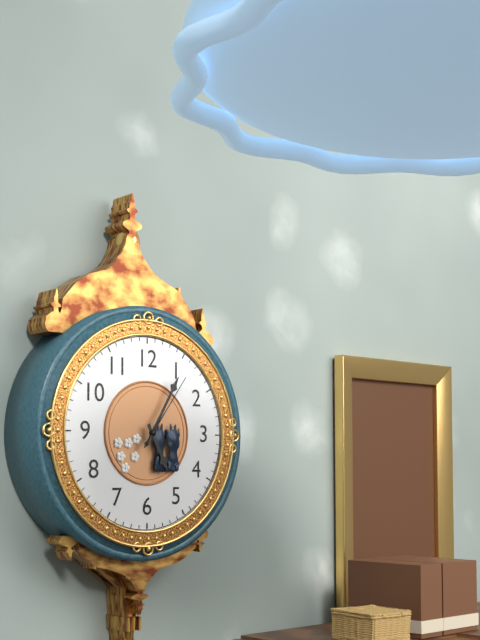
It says 5:05:06
